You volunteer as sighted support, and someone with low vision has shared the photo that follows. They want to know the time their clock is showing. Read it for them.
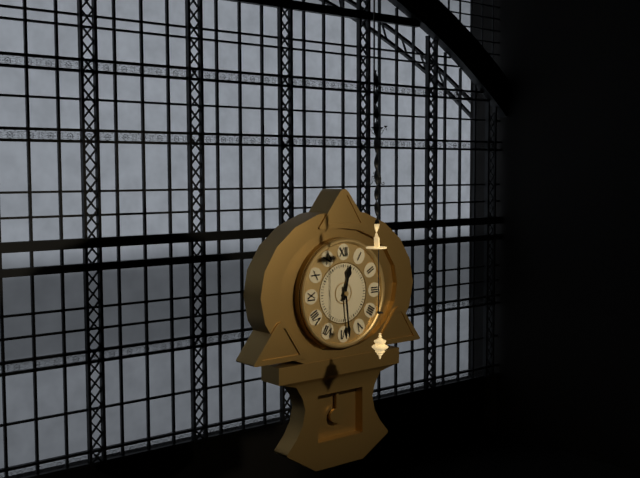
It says 12:29
